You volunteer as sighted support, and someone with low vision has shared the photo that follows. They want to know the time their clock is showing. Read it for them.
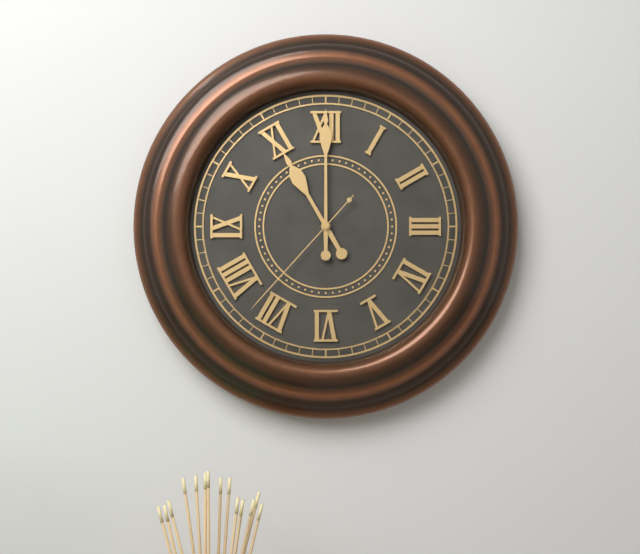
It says 11:00:37
